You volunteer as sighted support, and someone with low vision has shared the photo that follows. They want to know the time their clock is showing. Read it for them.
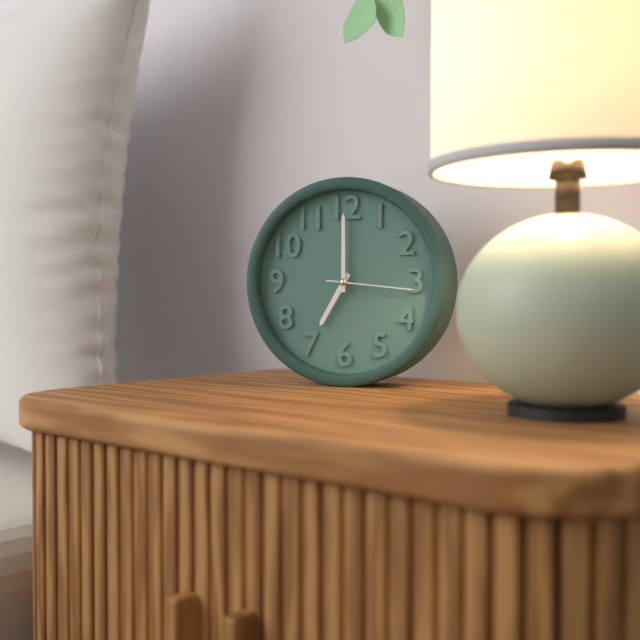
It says 7:00:16
